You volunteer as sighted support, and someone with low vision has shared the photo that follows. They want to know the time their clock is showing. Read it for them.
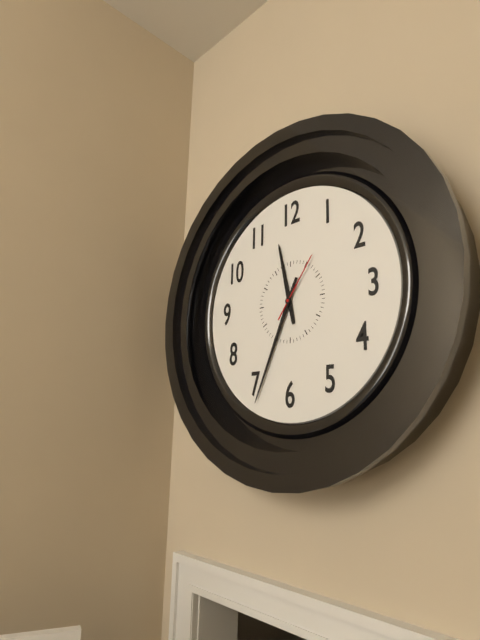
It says 11:34:06
